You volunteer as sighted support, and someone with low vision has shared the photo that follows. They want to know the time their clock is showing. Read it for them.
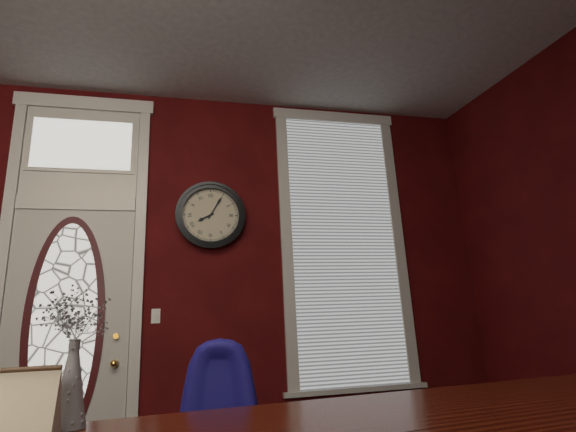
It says 8:05
